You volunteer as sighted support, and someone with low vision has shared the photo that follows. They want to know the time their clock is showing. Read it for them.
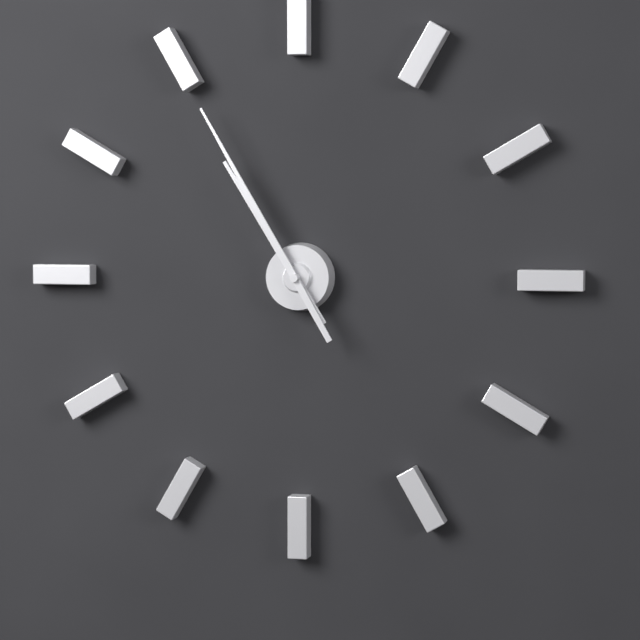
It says 10:55
